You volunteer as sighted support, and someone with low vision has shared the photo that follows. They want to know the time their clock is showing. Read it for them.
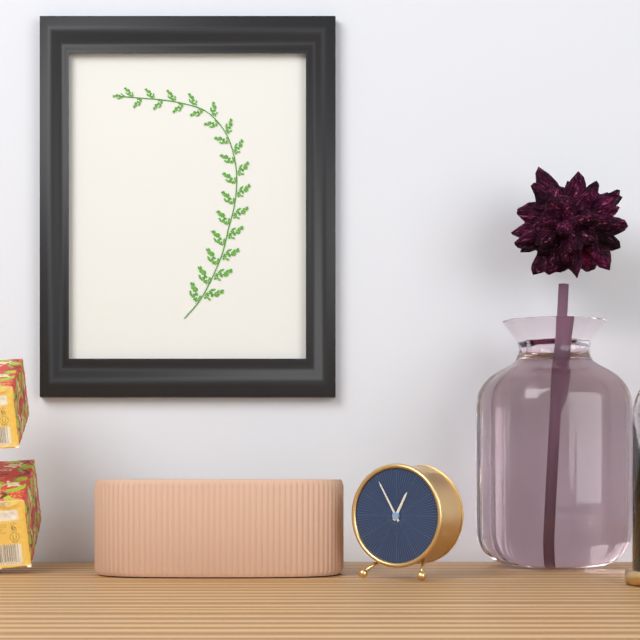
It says 12:55
